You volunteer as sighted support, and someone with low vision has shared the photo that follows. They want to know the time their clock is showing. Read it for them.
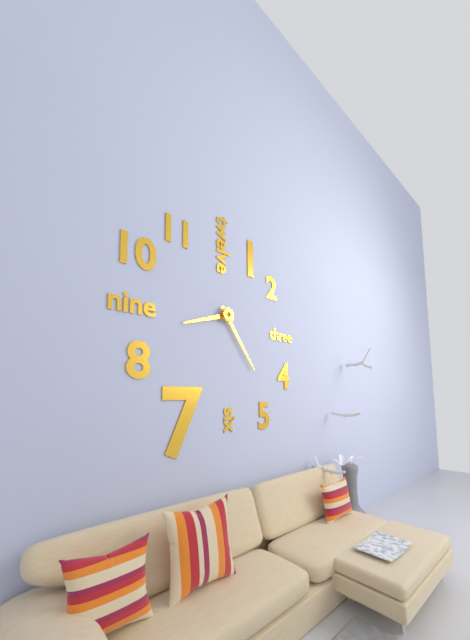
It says 8:24
